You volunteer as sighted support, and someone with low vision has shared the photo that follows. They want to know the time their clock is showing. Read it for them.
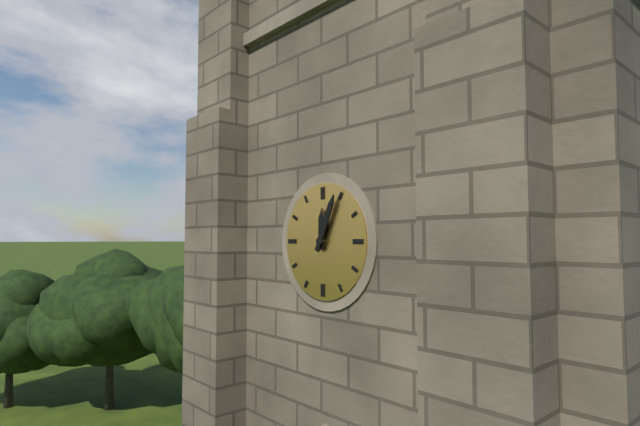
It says 12:04
